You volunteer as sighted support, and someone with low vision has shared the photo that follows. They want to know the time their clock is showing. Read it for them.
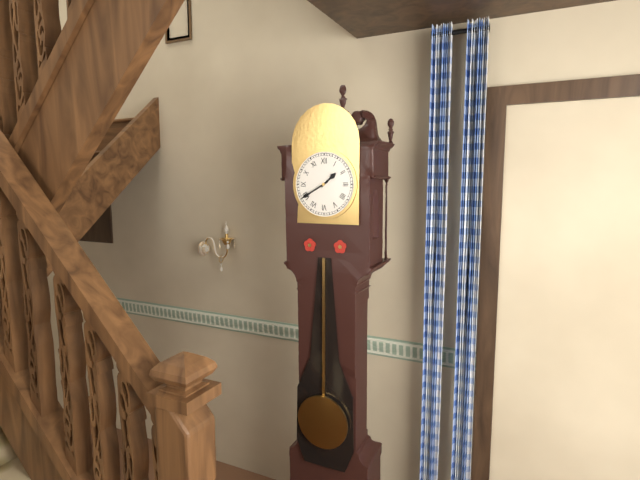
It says 1:40
